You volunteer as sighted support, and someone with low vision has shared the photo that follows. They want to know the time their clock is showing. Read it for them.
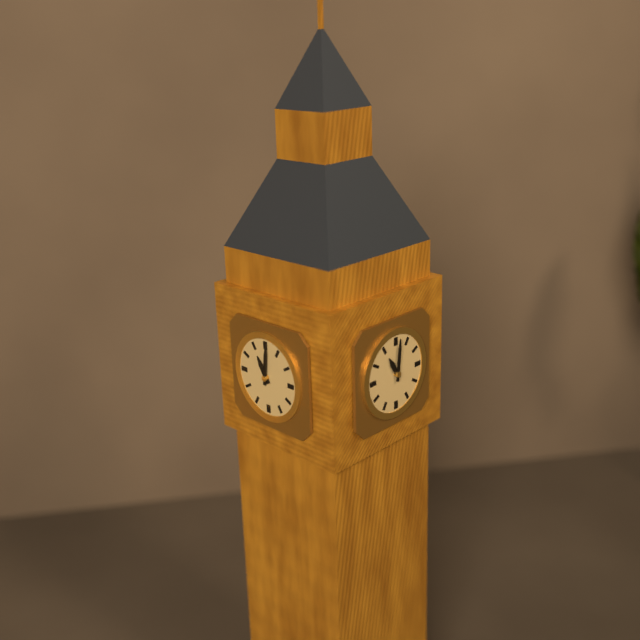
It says 11:01
